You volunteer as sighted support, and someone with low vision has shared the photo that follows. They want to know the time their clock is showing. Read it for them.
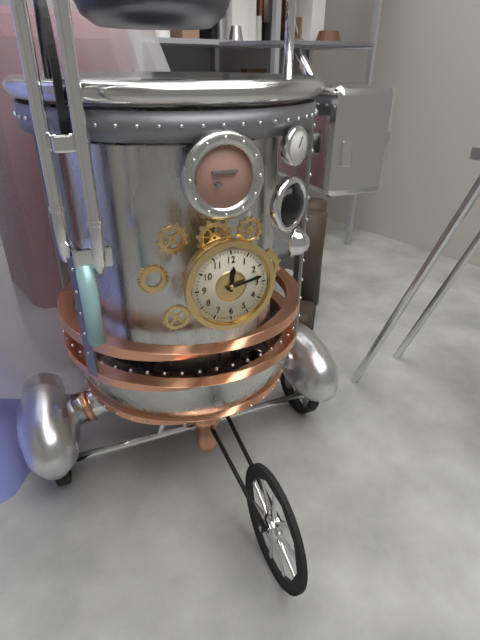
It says 12:13
